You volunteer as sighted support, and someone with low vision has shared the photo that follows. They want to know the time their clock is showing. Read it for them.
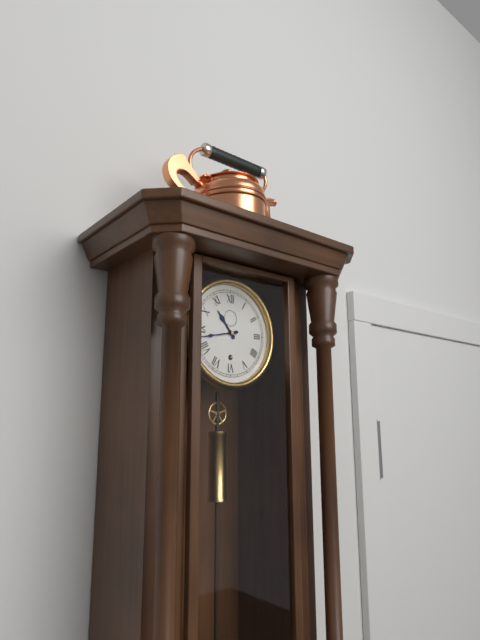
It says 10:43
